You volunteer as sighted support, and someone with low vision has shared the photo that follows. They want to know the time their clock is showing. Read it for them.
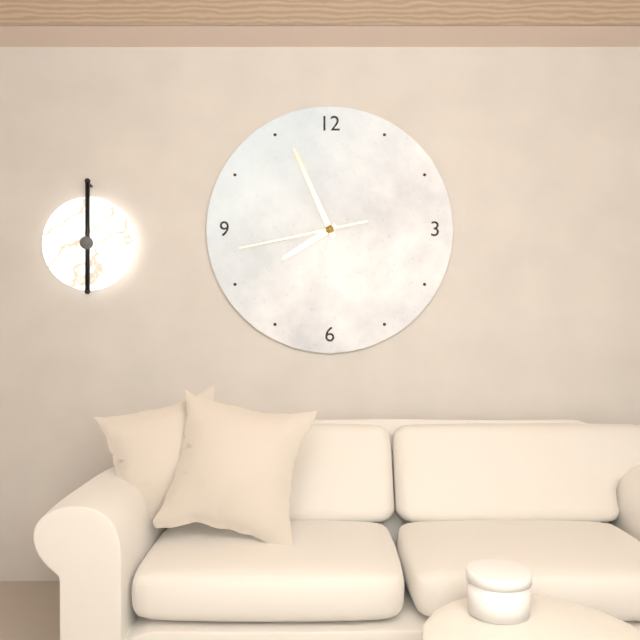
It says 7:56:43
